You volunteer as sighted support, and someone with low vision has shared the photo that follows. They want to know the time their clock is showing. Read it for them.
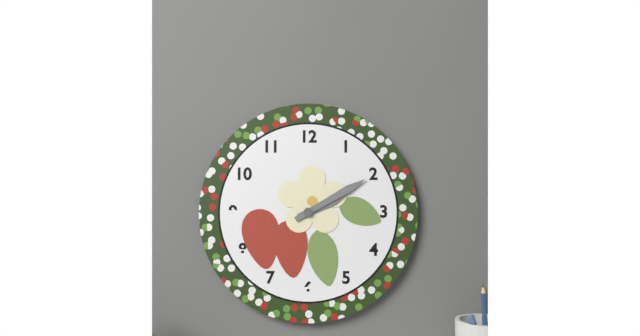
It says 2:10
